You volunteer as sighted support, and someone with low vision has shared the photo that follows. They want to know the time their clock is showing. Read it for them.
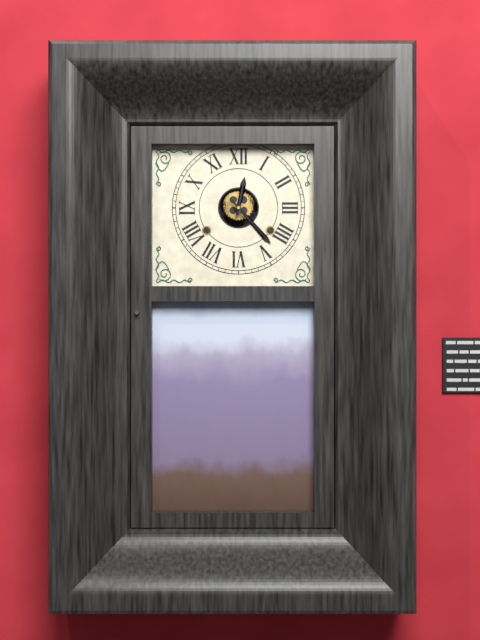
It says 12:23
